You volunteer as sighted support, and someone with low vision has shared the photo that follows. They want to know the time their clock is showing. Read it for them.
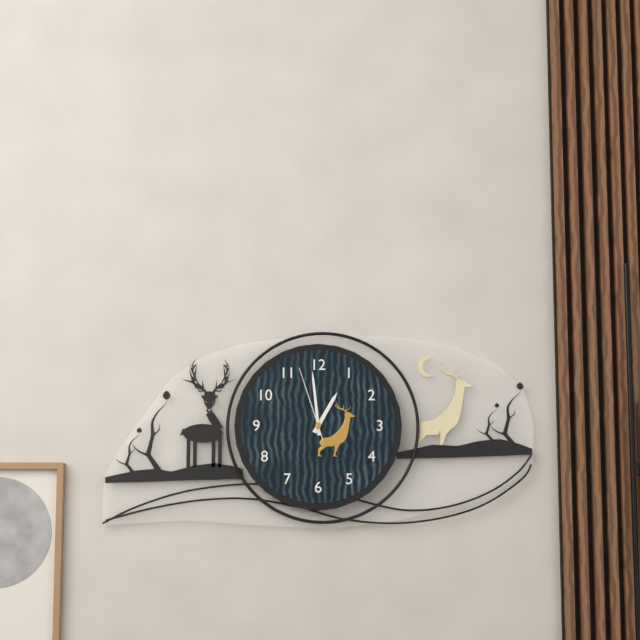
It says 12:59:57
